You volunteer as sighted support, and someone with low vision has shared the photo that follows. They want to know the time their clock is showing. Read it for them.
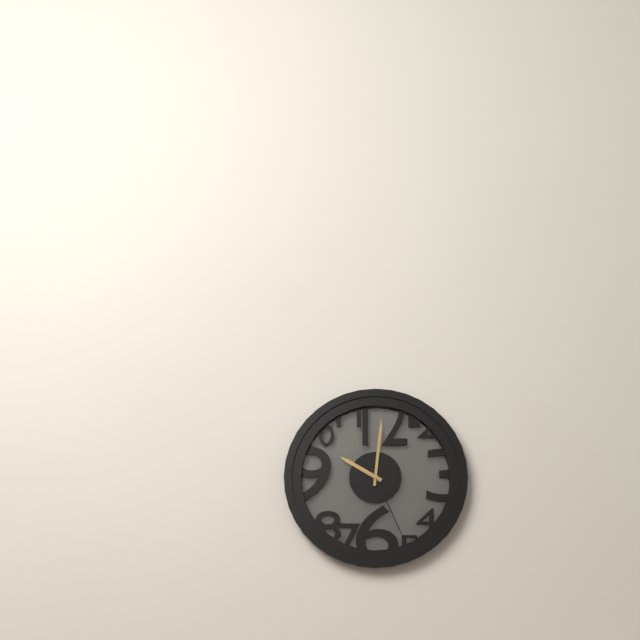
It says 10:01:26
